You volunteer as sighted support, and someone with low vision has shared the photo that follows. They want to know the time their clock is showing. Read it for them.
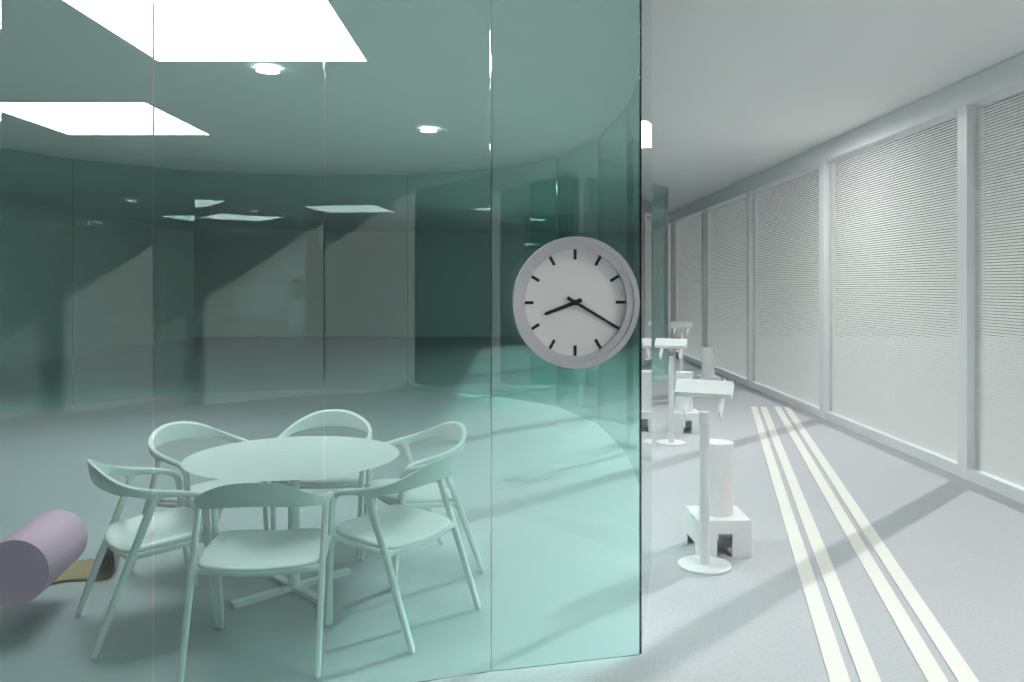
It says 8:20
